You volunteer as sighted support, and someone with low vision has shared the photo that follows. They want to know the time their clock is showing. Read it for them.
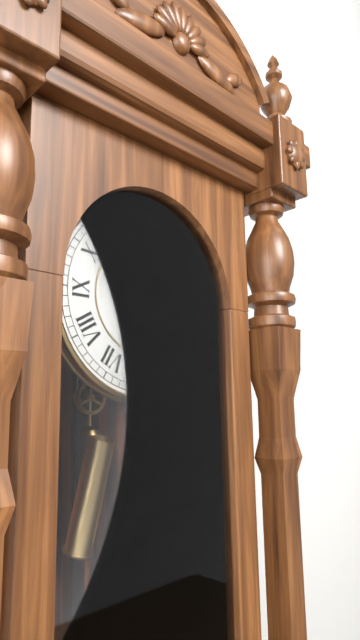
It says 12:22
